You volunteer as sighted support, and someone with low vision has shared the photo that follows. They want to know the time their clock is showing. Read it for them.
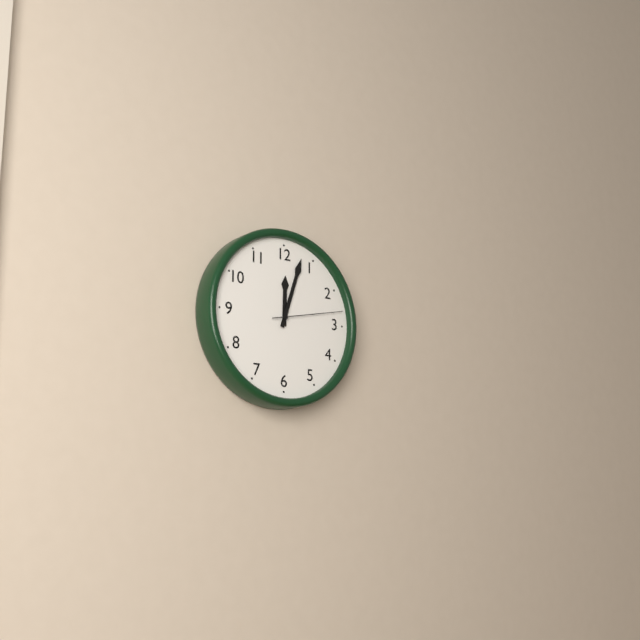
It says 12:03:13
